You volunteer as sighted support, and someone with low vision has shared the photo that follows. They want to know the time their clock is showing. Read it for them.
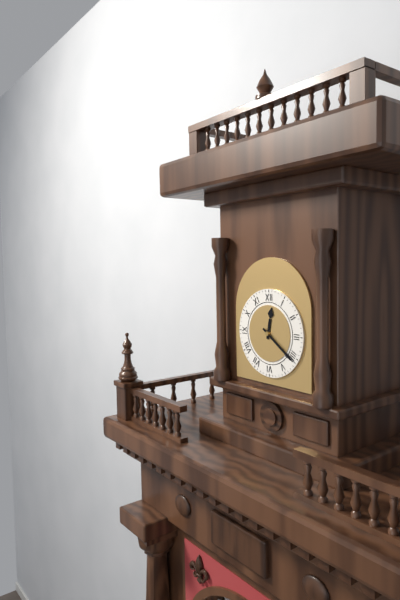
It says 12:21
